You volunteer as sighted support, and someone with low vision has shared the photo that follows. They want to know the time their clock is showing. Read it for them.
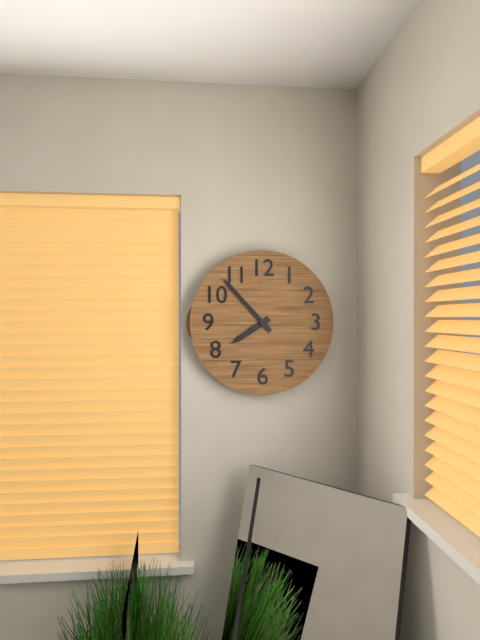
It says 7:53
